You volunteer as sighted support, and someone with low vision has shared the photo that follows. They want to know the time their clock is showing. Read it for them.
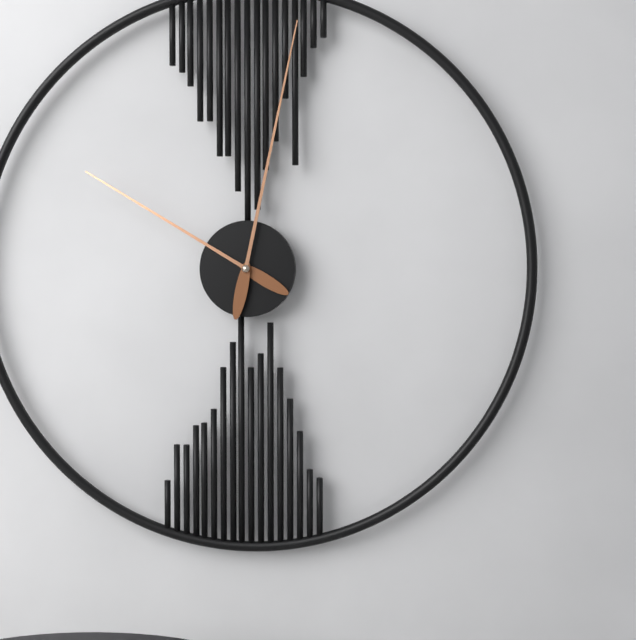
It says 10:02
